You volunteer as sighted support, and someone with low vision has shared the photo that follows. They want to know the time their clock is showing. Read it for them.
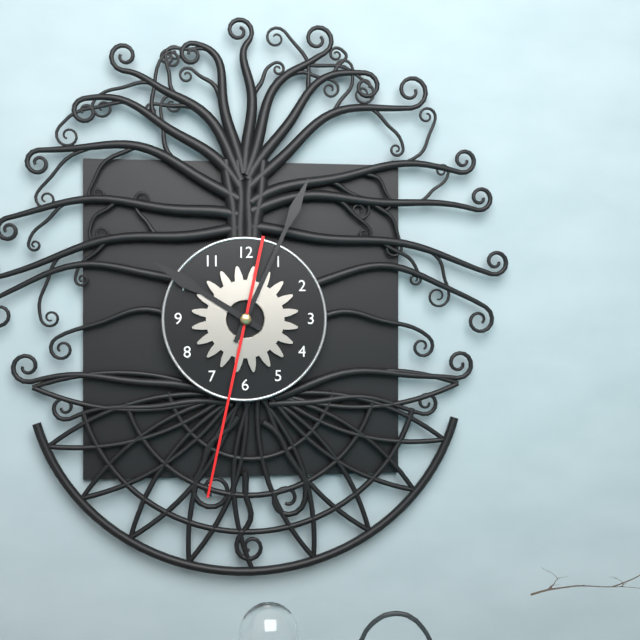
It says 10:04:32
